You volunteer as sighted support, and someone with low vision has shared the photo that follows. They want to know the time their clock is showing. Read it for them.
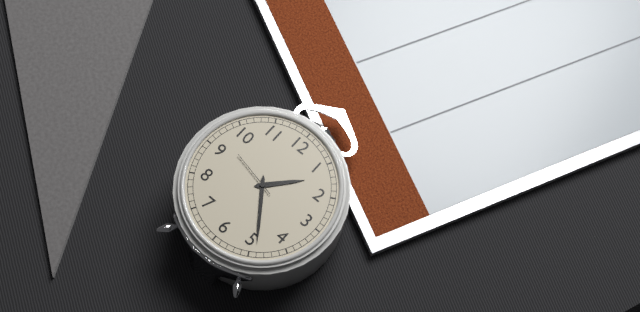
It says 1:24
